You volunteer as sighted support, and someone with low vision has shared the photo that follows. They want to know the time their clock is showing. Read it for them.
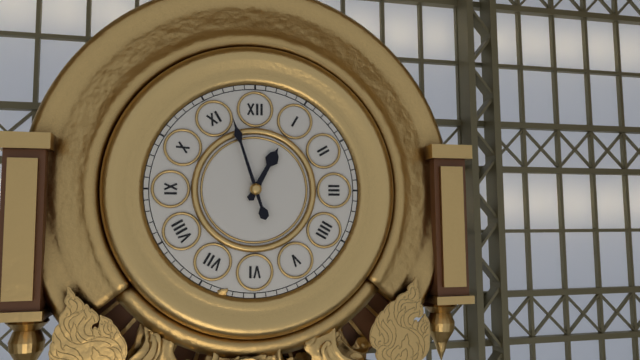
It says 12:57
